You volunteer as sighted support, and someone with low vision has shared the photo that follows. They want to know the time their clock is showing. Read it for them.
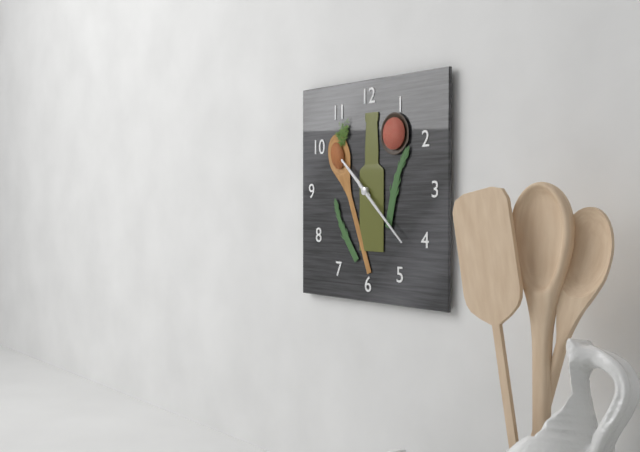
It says 10:22
